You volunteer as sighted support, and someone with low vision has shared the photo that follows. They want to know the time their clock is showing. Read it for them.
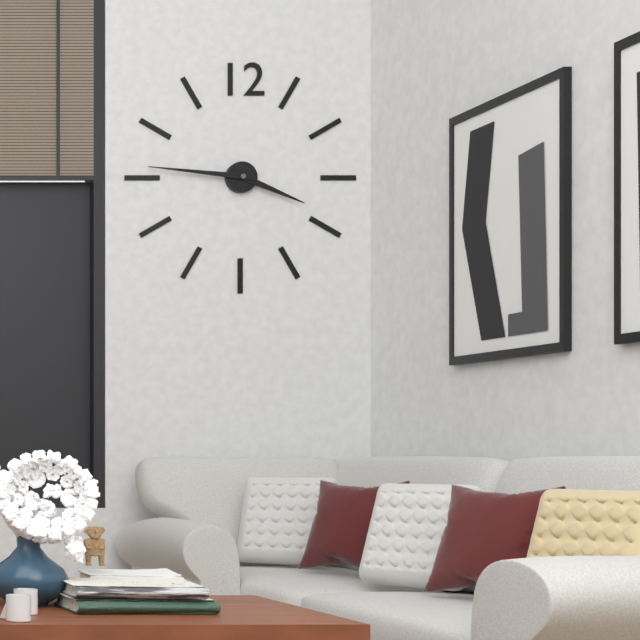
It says 3:46
